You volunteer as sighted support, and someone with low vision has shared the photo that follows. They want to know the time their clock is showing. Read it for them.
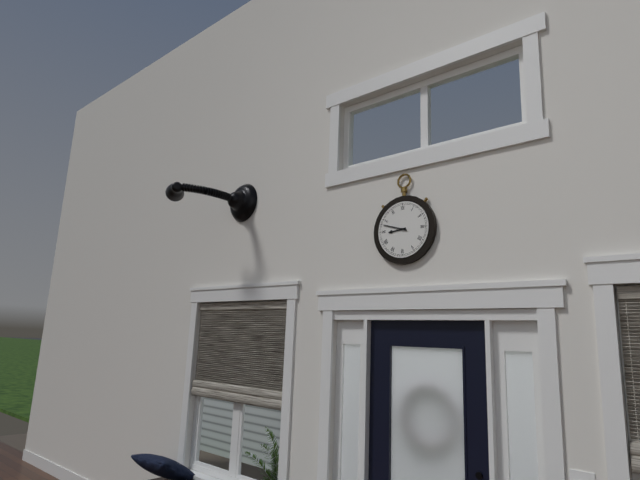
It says 8:48
